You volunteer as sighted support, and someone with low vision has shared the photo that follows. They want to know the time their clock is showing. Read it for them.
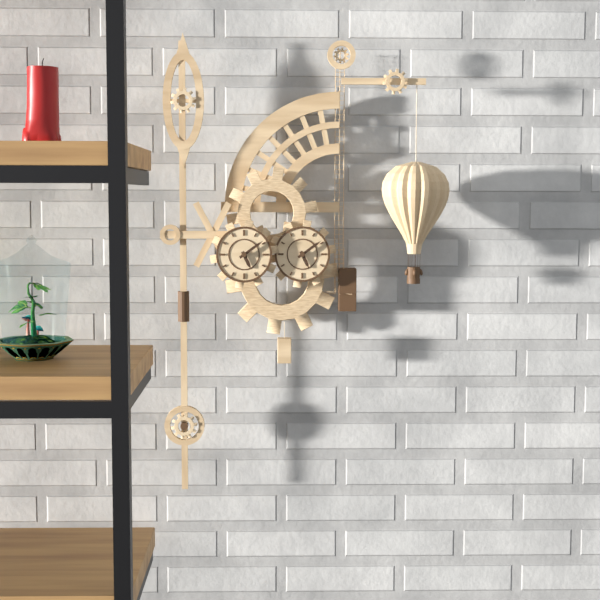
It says 5:09
